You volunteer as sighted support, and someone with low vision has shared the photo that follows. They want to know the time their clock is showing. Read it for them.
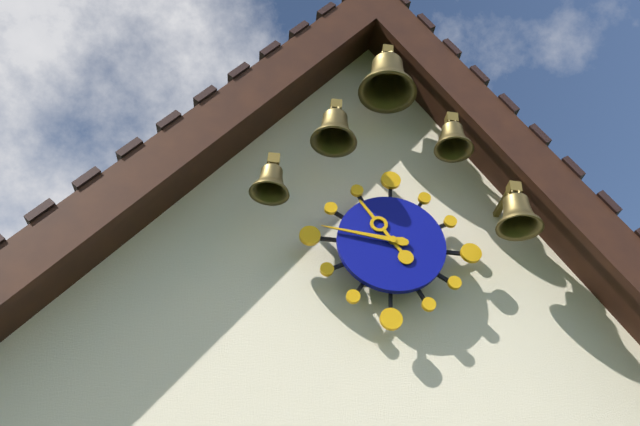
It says 10:46
